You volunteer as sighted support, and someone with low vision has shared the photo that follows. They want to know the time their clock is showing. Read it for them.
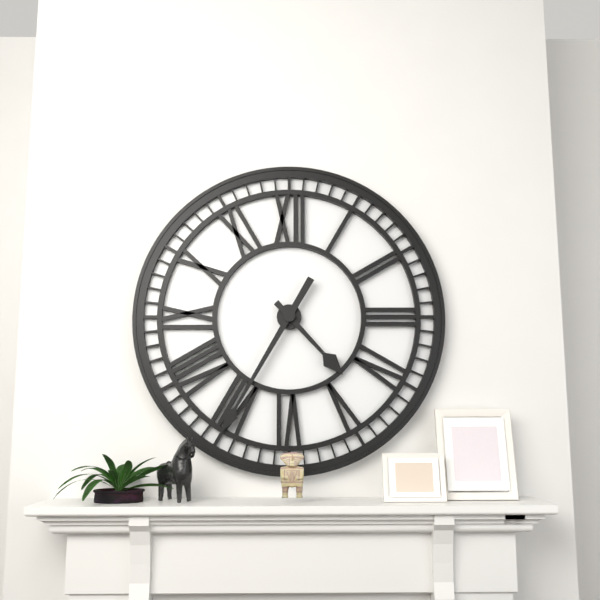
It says 4:35
